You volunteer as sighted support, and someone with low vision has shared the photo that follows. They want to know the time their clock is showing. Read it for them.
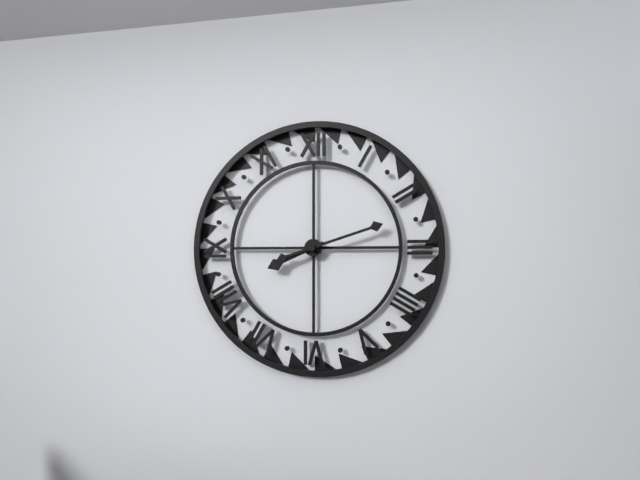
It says 8:12
